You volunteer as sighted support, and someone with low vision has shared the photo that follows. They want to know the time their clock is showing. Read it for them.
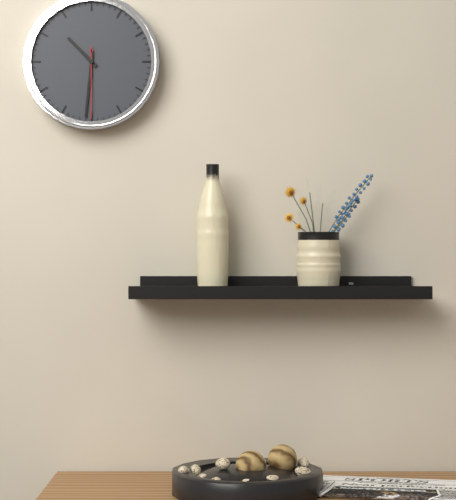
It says 10:31:30
